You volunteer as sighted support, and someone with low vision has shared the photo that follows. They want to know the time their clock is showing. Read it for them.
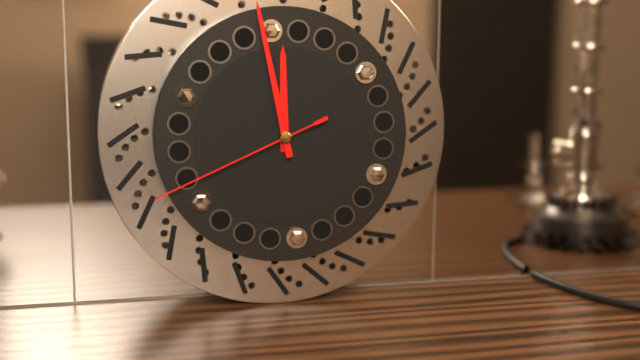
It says 11:58:41
